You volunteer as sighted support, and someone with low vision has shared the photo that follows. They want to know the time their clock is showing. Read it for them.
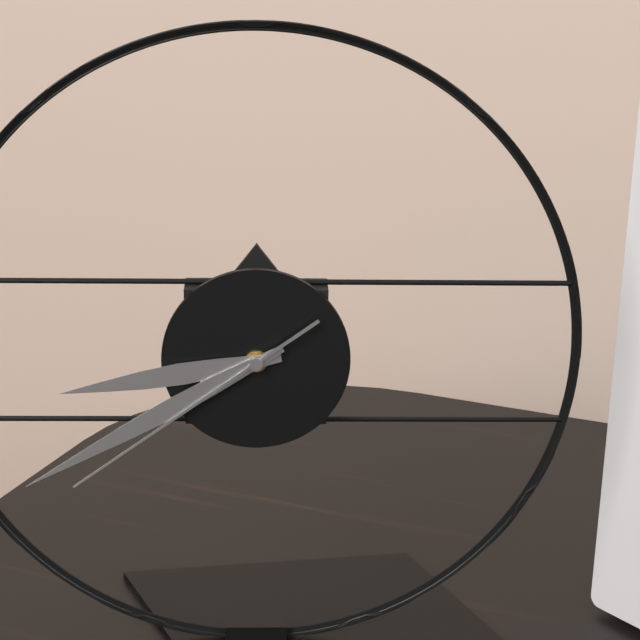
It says 8:40:39
